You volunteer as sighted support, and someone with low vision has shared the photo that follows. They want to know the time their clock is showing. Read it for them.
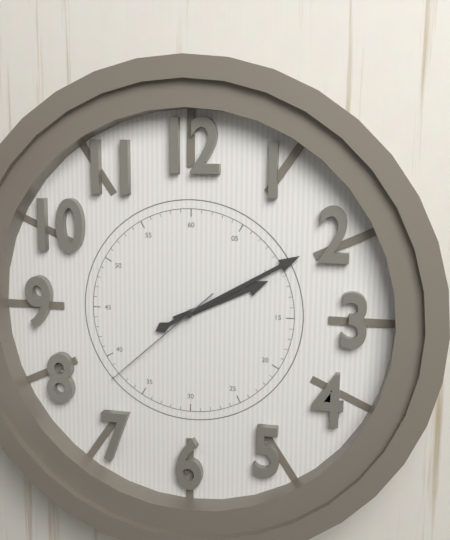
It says 2:10:38
